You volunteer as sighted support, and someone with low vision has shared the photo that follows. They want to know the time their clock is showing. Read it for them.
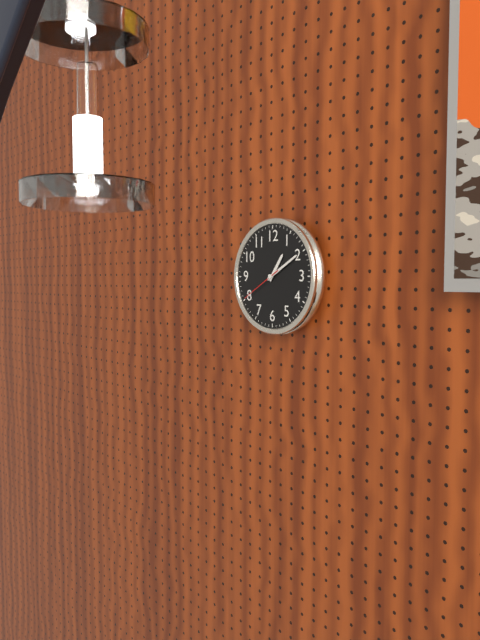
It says 1:10
